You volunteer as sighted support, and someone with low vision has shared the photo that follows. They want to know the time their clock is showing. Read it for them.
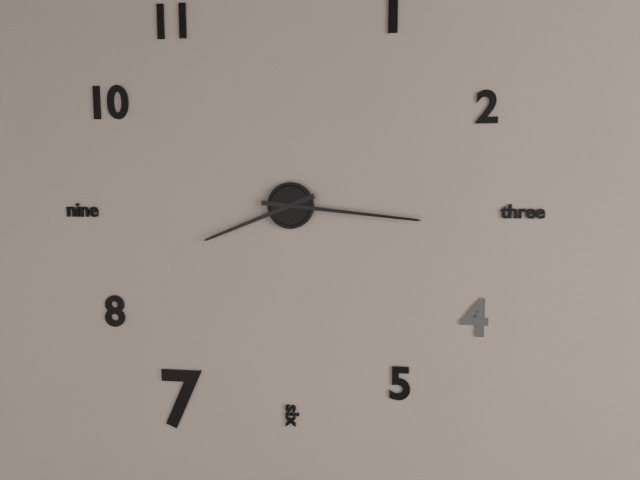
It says 8:16
